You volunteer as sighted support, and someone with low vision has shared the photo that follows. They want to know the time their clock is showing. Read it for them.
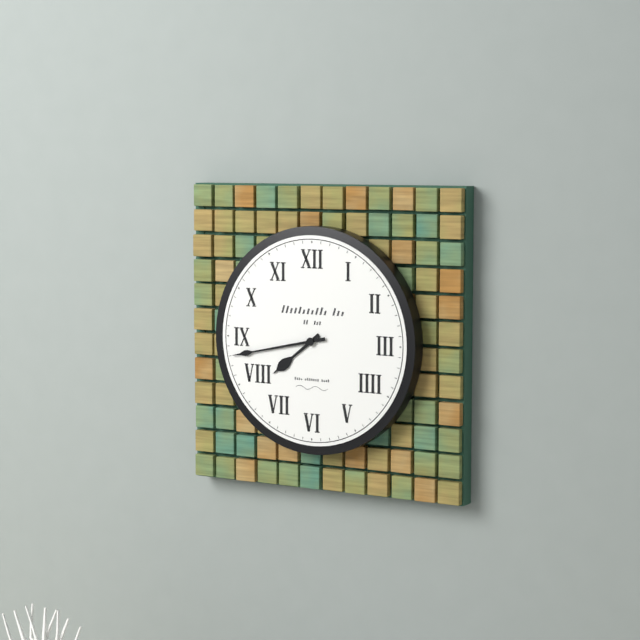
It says 7:43
